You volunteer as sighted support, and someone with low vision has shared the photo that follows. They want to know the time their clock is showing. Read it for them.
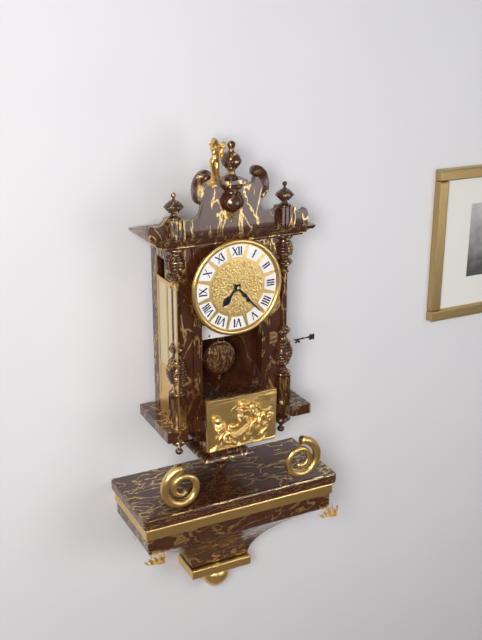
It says 7:23
